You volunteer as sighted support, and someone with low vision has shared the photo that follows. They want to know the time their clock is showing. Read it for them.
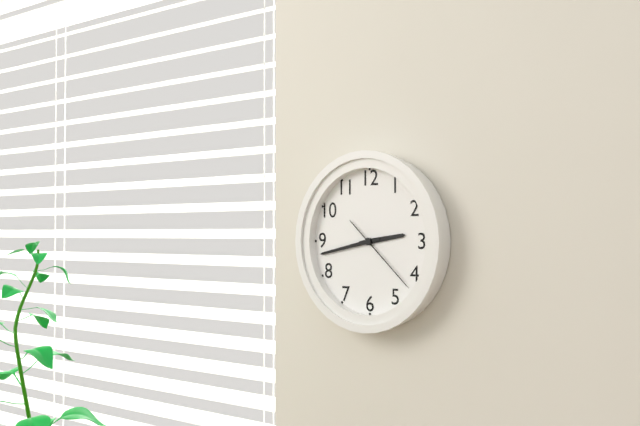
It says 2:43:22
